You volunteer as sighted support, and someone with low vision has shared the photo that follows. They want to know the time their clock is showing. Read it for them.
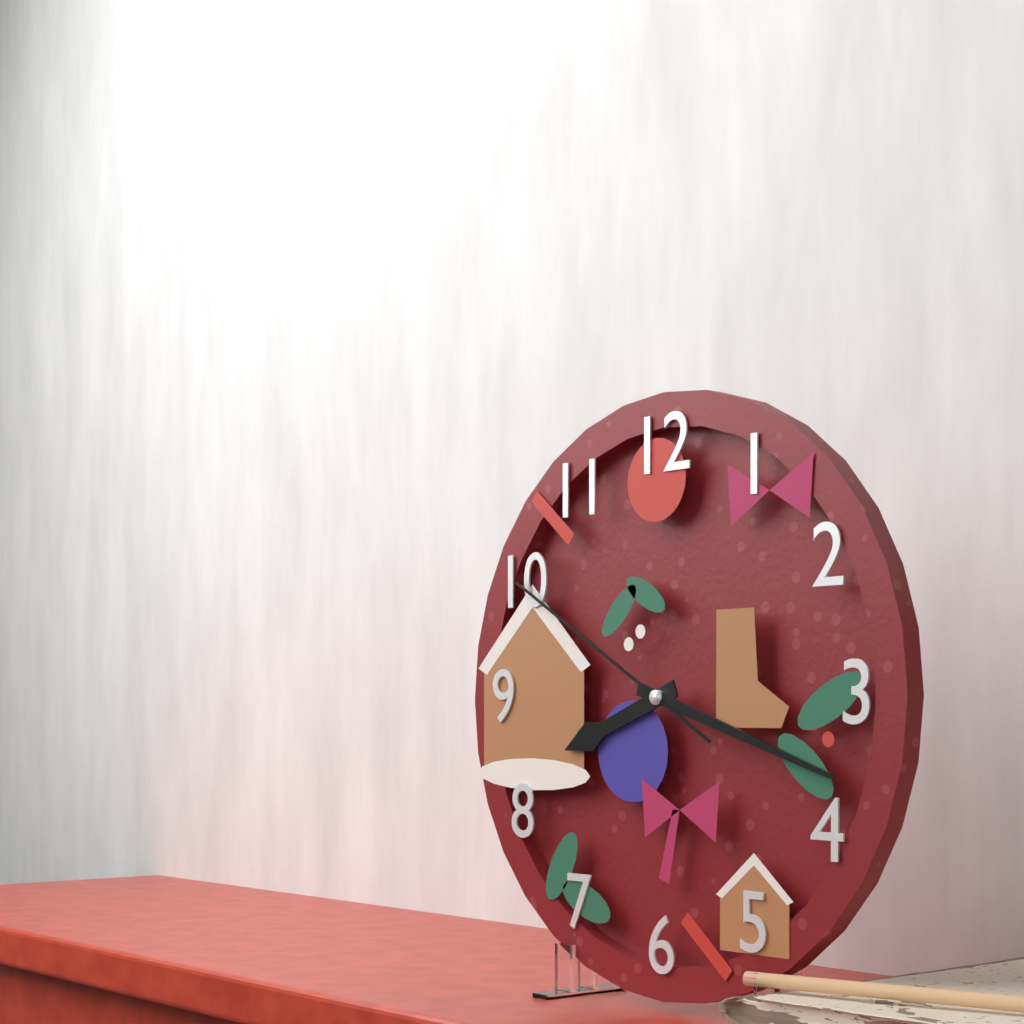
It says 8:18:50
